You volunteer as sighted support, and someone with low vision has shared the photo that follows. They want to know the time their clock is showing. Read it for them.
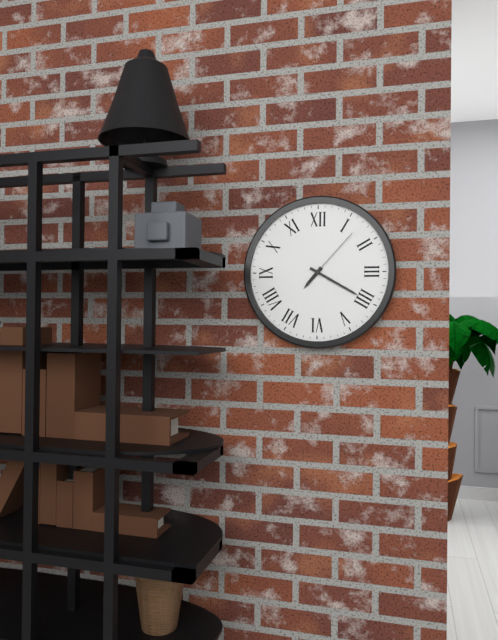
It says 7:20:07
